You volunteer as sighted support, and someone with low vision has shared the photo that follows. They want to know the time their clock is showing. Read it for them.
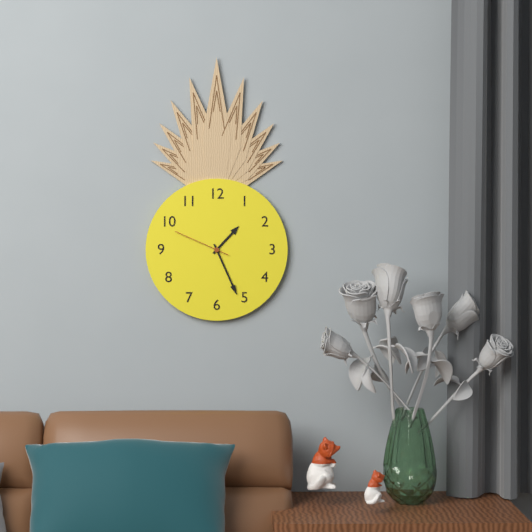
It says 1:26:49
